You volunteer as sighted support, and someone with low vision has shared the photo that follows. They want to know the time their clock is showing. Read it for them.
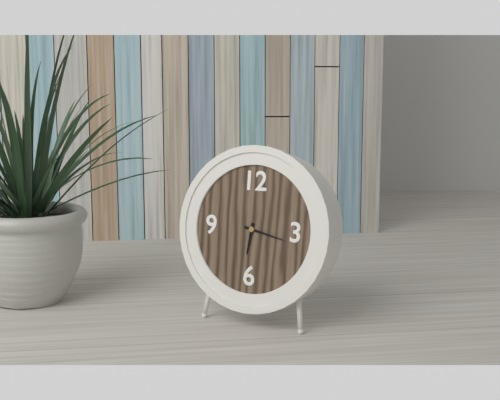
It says 6:17
